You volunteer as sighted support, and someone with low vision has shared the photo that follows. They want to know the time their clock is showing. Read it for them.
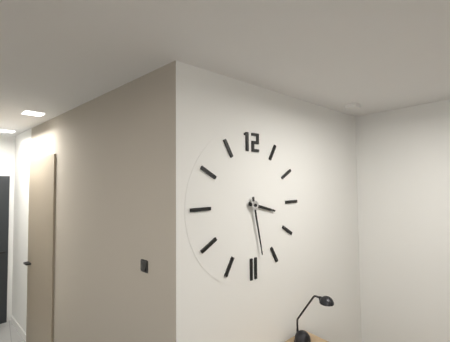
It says 3:28
